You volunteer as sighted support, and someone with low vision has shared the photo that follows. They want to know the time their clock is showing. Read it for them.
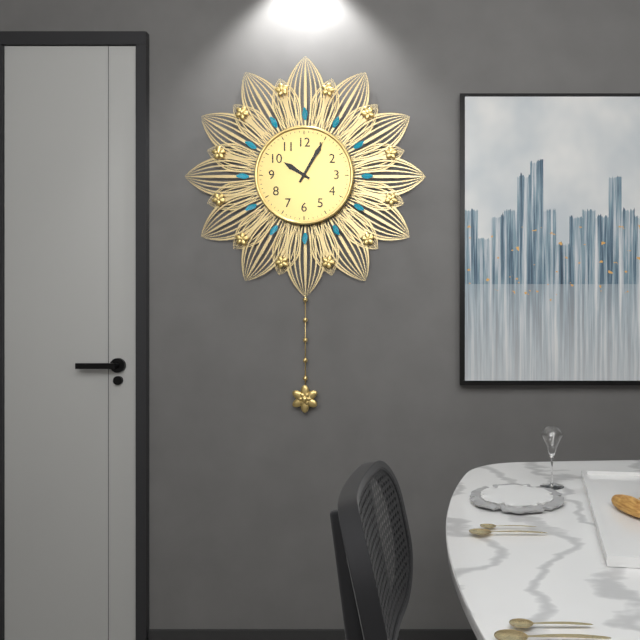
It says 10:05
